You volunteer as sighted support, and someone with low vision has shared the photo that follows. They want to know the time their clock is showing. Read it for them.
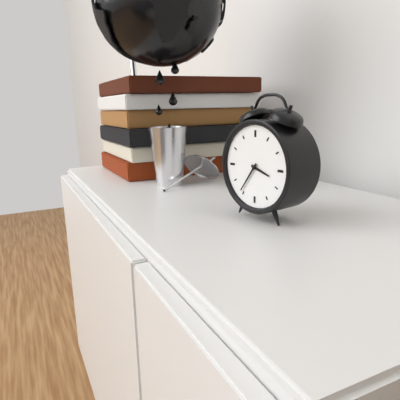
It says 3:36
